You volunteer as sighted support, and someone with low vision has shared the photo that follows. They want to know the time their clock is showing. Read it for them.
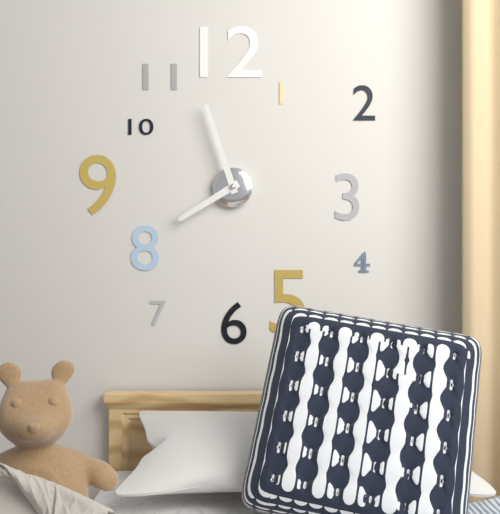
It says 7:57
